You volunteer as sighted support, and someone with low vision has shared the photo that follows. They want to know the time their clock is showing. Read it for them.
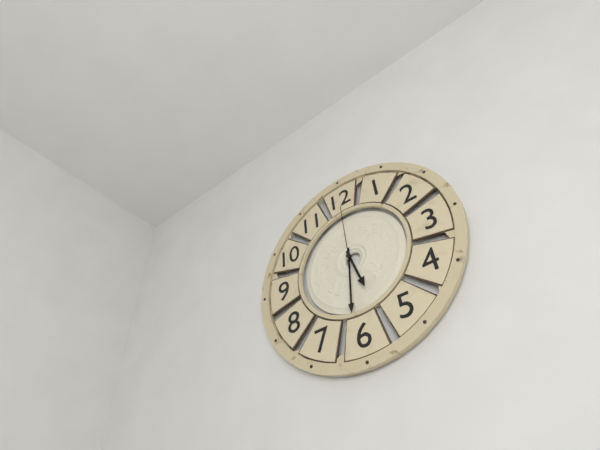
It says 5:31:00
